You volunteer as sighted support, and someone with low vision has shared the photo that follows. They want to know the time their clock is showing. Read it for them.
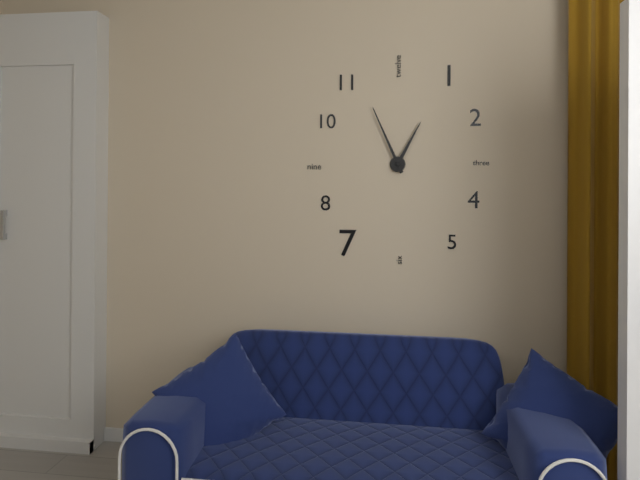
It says 12:56
